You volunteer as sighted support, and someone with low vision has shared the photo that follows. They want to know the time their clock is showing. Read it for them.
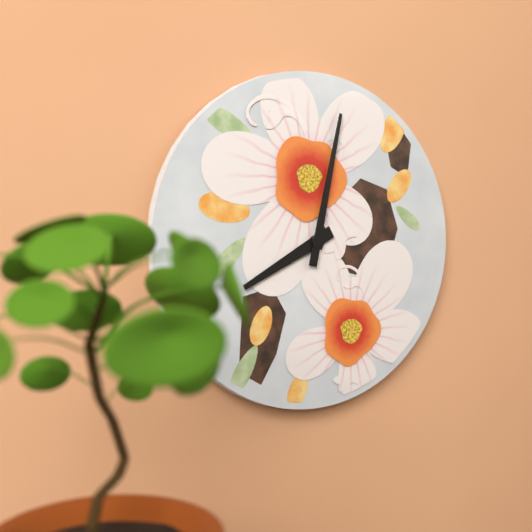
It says 8:02
